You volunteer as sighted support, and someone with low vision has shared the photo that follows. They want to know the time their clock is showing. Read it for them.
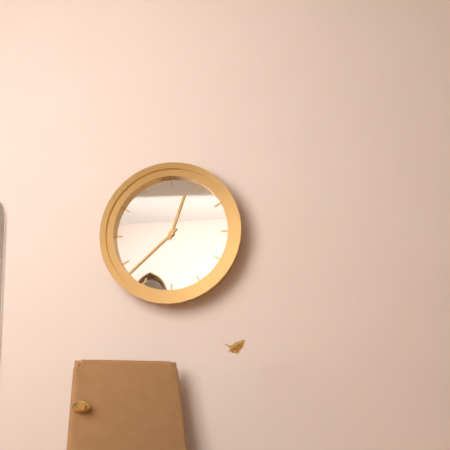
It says 12:38
